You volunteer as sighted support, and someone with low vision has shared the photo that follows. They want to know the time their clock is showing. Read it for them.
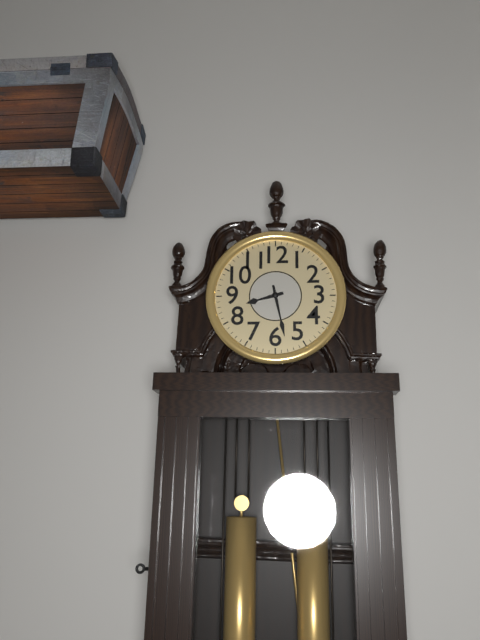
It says 8:28
